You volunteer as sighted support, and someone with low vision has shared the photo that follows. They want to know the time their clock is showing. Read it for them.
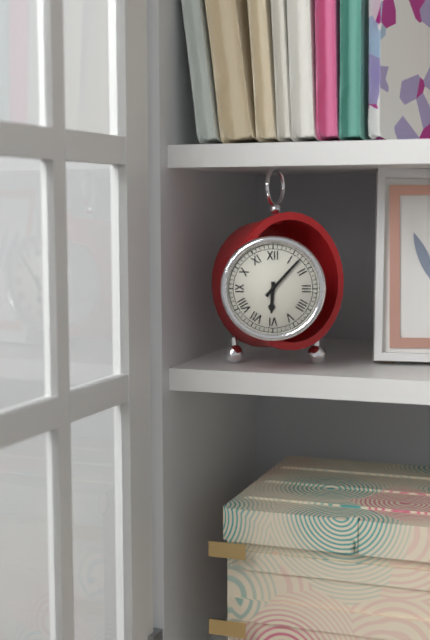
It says 6:07
